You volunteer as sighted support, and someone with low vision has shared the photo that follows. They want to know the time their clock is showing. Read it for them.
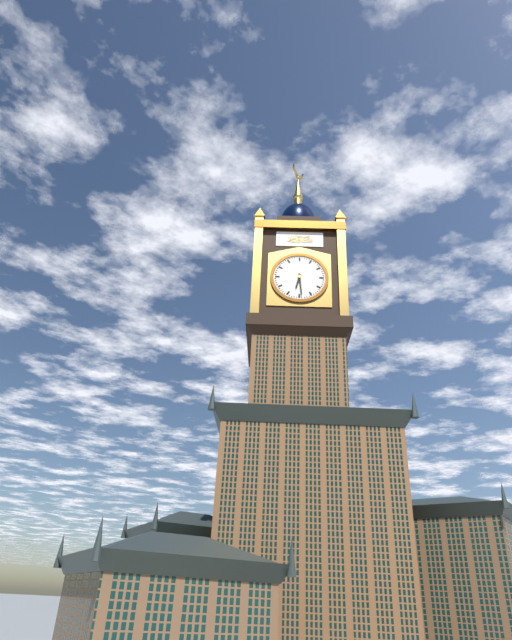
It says 6:29
